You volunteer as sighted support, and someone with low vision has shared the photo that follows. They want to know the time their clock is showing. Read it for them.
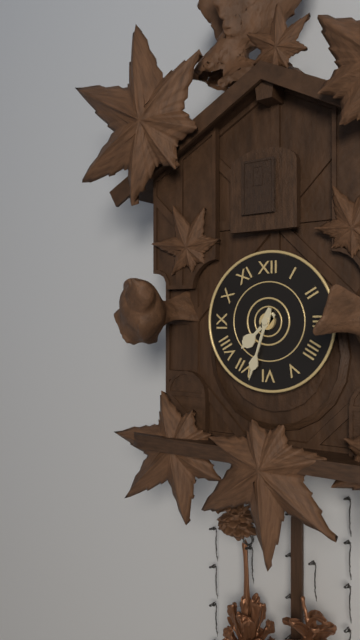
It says 7:33
